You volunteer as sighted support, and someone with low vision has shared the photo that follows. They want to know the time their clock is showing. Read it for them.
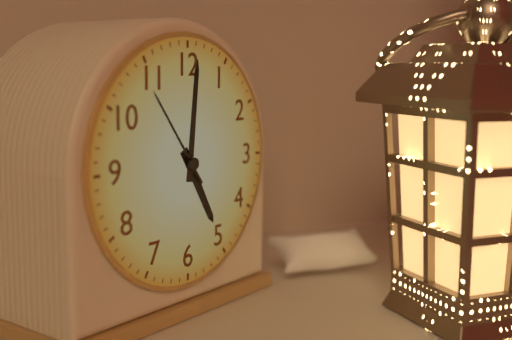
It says 5:01:54
